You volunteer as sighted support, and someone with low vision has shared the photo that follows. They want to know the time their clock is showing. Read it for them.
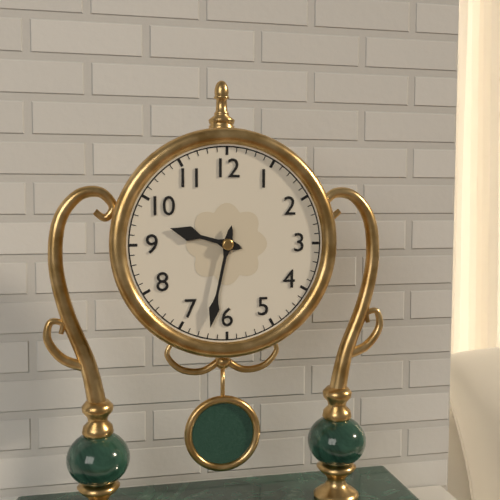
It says 9:32
